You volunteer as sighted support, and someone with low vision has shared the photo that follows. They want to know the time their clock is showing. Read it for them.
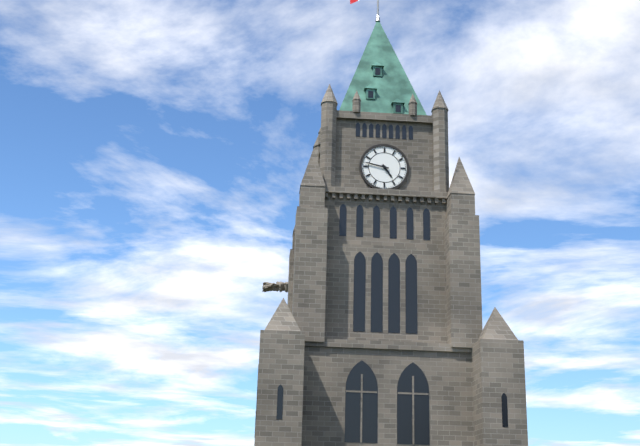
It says 4:47
